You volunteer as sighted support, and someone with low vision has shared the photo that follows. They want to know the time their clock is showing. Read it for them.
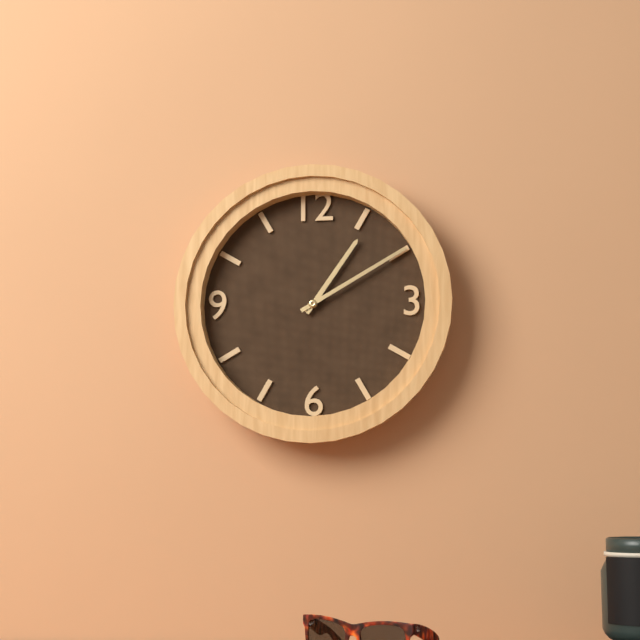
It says 1:10
